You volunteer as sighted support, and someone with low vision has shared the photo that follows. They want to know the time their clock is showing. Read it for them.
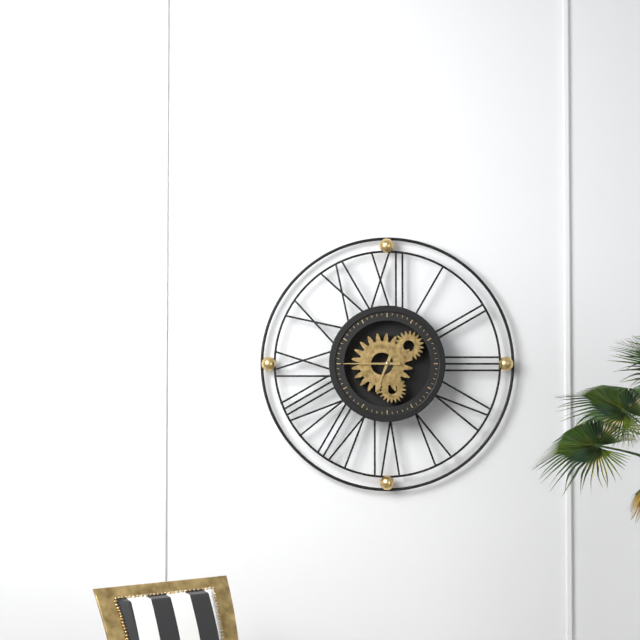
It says 6:45
